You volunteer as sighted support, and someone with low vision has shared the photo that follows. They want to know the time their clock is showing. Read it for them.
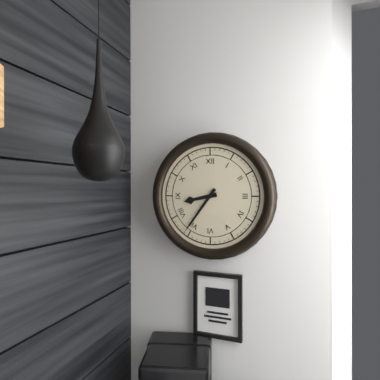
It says 8:36
